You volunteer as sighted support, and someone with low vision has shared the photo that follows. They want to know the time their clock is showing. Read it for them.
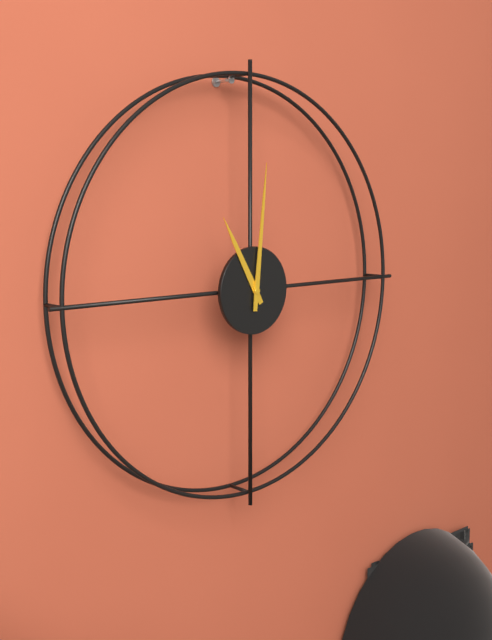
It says 11:01
